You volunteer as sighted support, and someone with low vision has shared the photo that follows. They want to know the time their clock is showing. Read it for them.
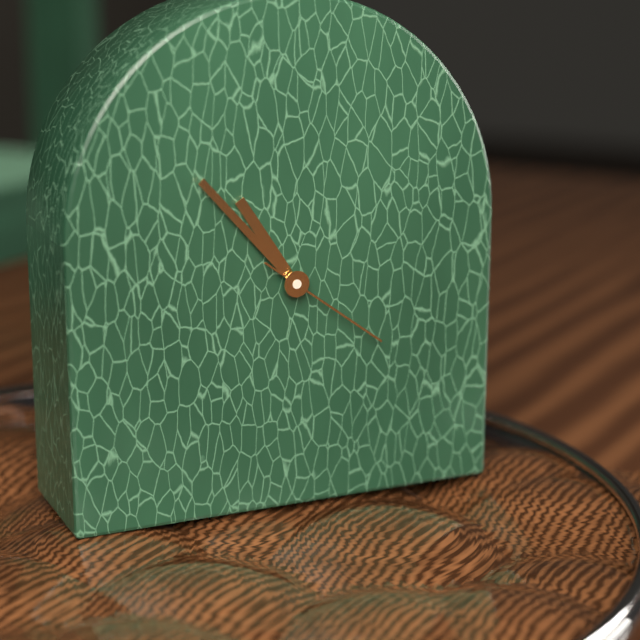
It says 10:53:21
